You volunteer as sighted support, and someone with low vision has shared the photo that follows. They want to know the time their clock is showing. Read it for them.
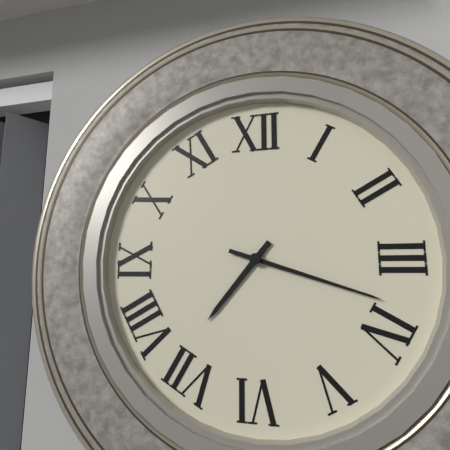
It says 7:18
